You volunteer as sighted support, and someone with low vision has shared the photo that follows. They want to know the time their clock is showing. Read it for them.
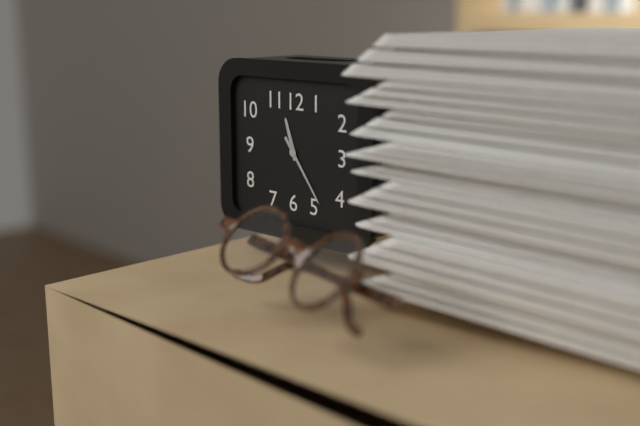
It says 11:24
